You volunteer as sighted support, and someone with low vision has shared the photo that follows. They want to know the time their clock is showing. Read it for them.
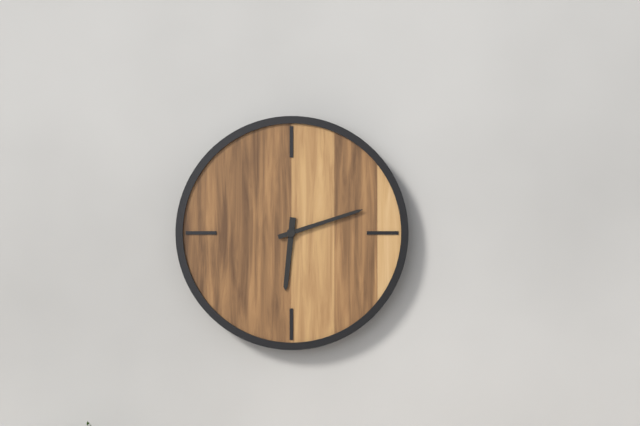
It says 6:12
